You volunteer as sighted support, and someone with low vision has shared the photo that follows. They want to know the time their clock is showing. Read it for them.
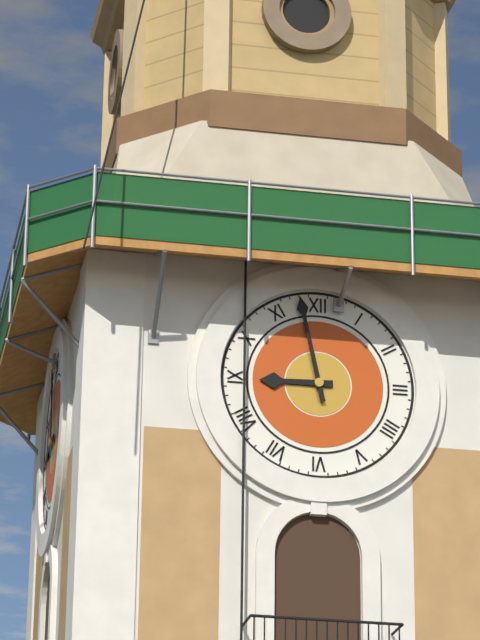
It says 8:58
